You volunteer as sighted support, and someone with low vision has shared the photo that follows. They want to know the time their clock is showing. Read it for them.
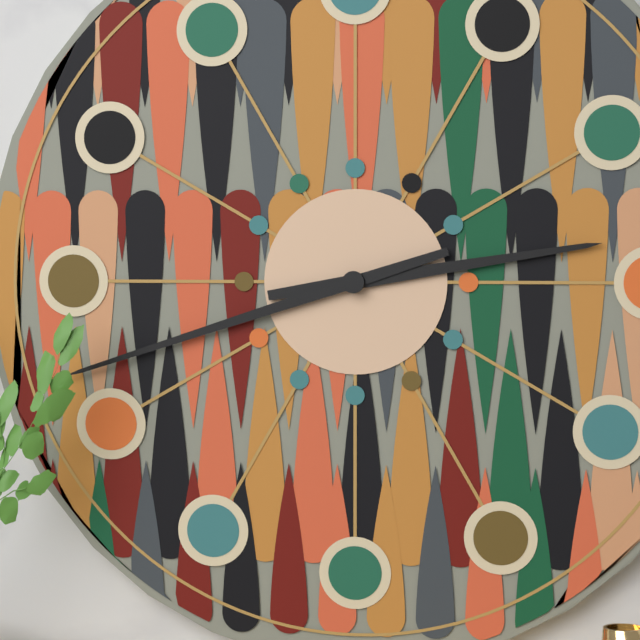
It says 2:42
